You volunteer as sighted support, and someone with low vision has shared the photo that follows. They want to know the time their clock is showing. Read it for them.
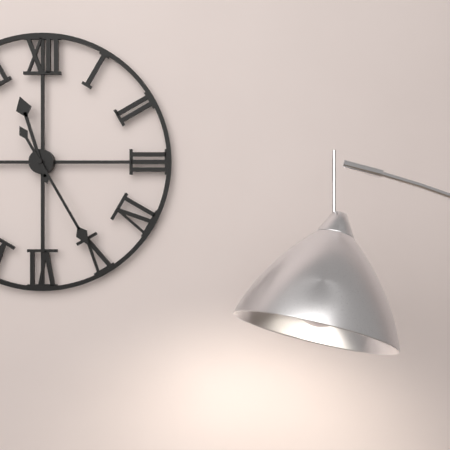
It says 11:25
